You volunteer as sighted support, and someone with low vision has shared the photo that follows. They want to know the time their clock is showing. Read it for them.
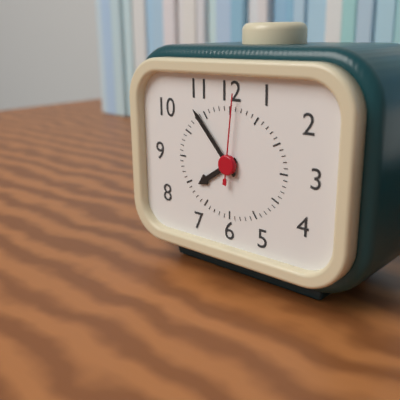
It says 7:53:01
